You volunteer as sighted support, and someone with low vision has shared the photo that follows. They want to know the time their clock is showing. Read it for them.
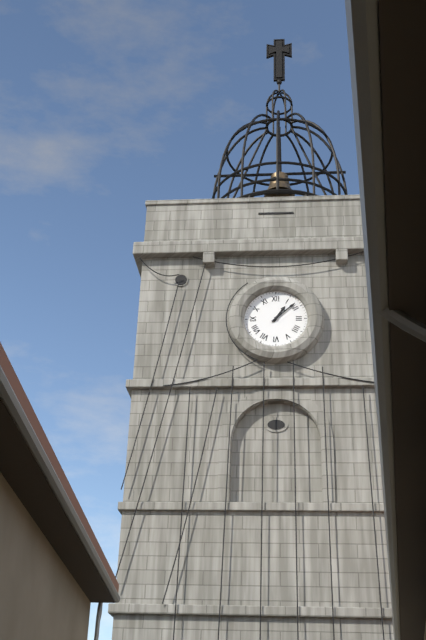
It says 1:08
